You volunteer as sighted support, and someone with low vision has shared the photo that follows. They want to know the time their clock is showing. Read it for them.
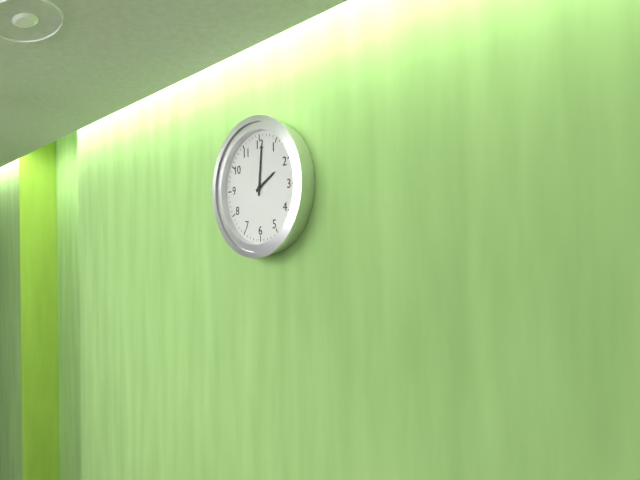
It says 2:01
